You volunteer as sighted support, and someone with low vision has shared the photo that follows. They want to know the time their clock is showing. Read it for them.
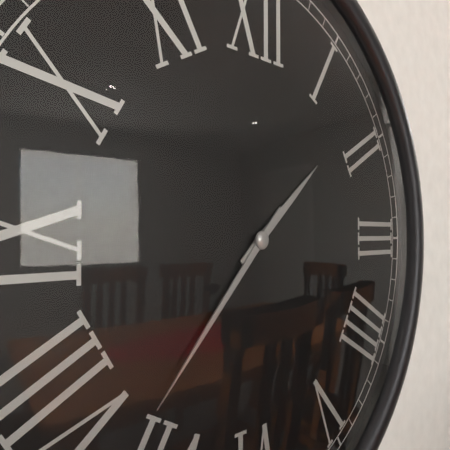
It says 1:37
